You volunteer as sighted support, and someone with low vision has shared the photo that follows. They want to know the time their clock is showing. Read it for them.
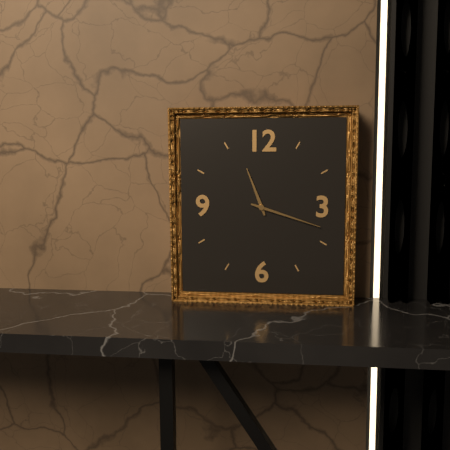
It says 11:18
